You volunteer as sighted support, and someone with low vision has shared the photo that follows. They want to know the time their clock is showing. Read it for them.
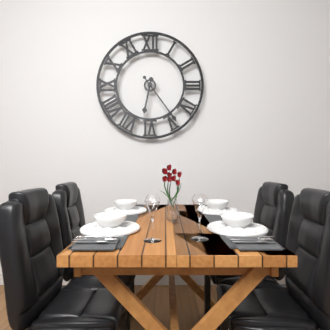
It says 6:24
